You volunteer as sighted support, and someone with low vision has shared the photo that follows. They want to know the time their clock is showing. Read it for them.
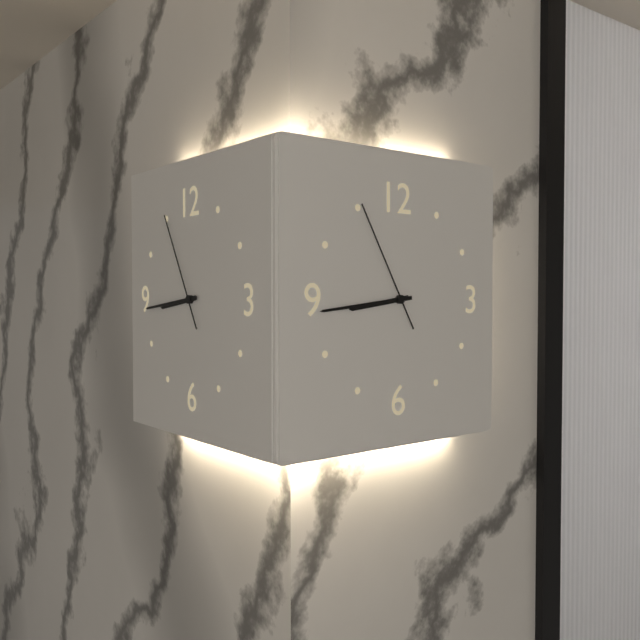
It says 8:44:55
